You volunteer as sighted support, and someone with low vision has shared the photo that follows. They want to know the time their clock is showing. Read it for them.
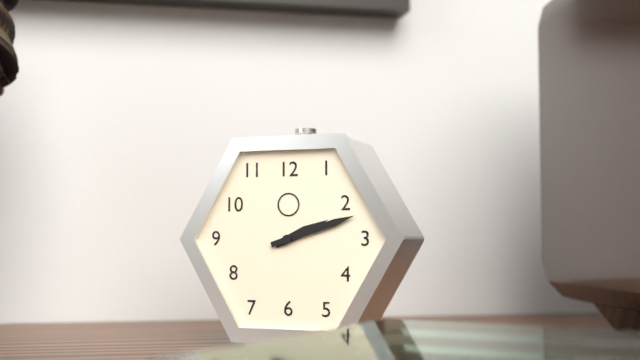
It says 2:12
